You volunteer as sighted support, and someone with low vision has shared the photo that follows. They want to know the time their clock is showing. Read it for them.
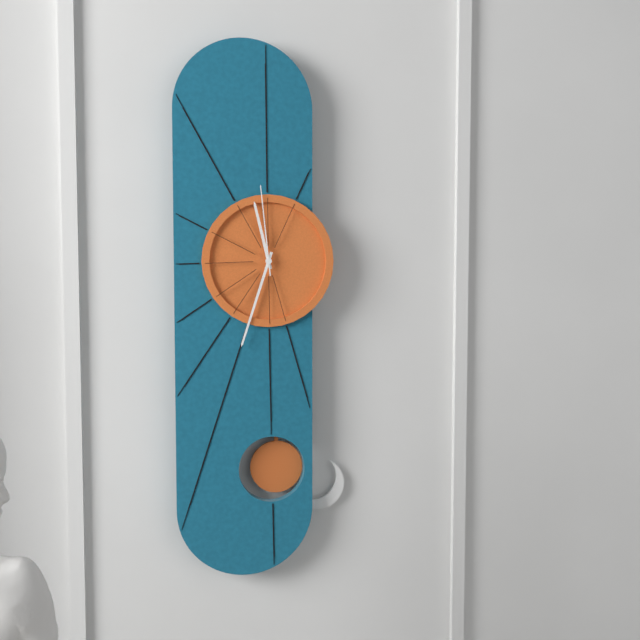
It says 11:33:59
